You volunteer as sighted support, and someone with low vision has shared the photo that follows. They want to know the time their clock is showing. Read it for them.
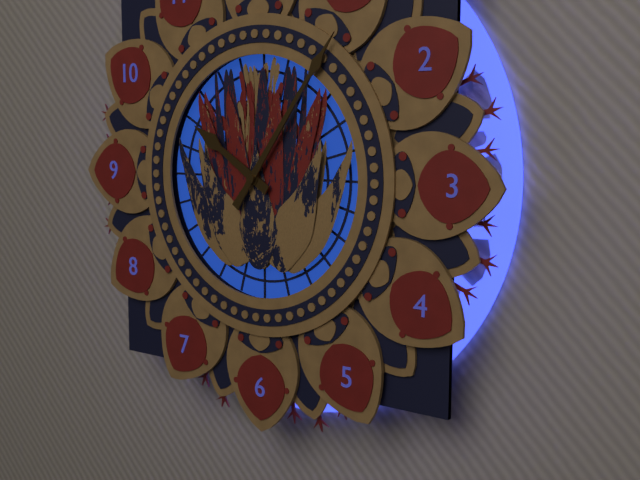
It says 10:06
